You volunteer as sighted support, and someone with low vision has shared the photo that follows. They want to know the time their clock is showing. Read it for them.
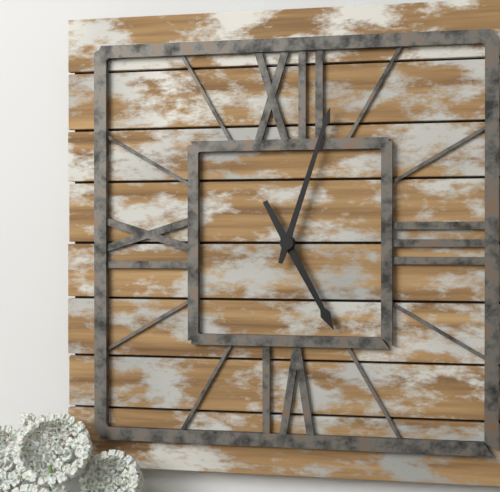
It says 5:03
